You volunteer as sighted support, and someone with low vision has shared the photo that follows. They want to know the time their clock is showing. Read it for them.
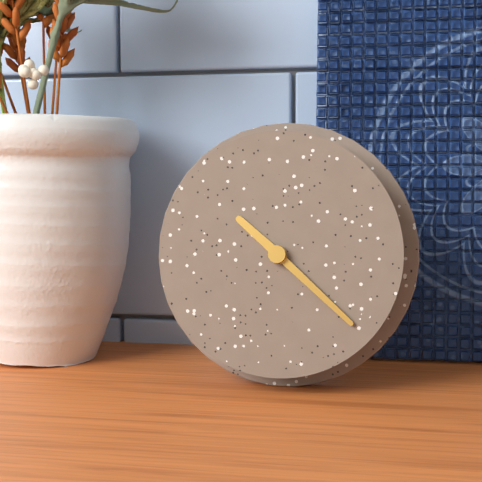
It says 10:22
